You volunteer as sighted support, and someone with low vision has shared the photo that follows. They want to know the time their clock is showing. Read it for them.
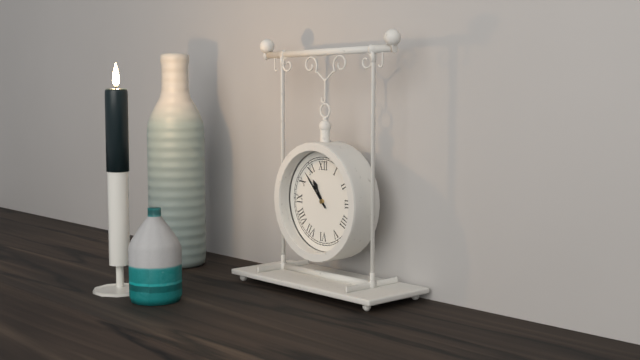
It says 10:53
